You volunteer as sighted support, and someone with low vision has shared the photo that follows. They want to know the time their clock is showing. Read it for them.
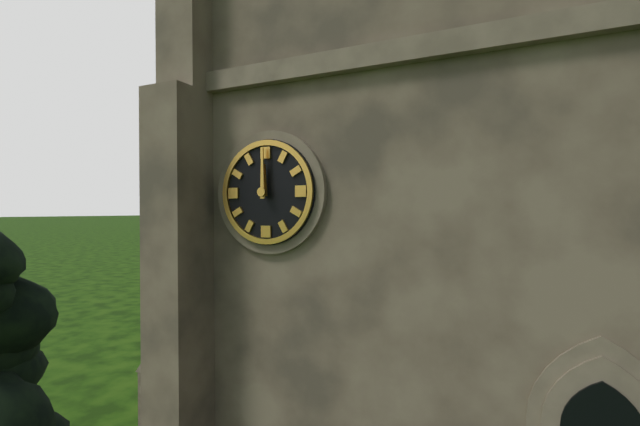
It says 12:00
